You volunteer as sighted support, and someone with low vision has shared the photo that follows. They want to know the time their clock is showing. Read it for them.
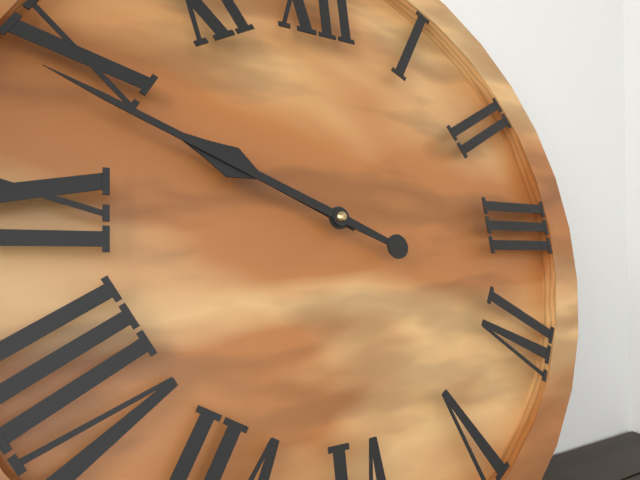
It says 9:49
